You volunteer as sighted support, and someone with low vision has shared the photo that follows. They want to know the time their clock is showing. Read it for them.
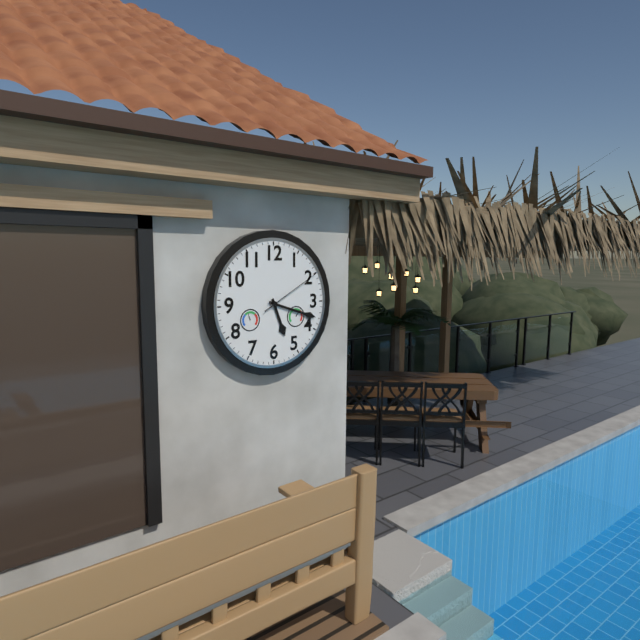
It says 5:18:10
